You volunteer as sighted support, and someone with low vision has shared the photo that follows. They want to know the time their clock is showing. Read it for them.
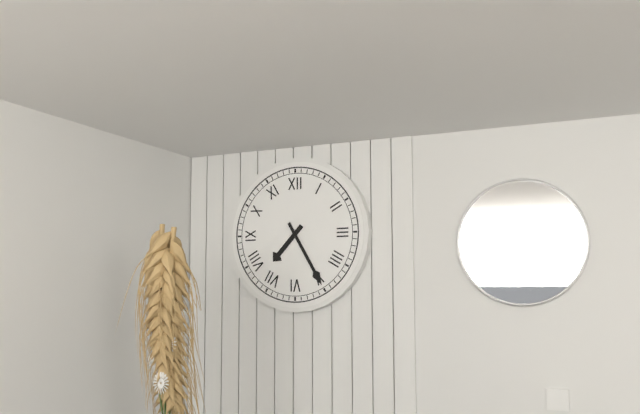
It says 7:25
